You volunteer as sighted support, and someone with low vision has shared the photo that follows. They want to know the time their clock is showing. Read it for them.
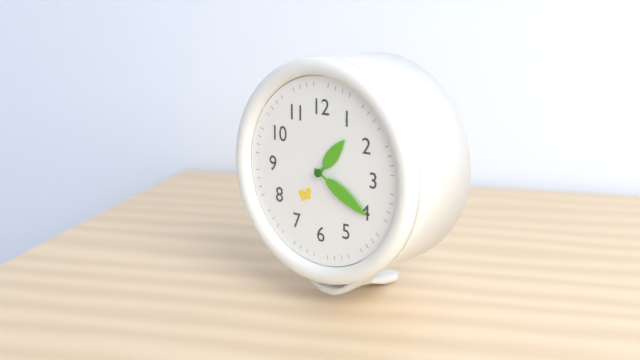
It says 1:20
